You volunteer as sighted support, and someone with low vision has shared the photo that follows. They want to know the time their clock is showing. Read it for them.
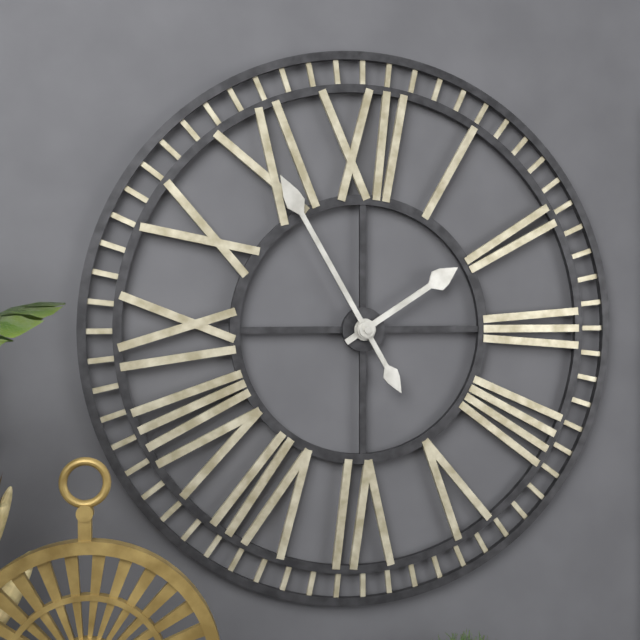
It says 1:55
